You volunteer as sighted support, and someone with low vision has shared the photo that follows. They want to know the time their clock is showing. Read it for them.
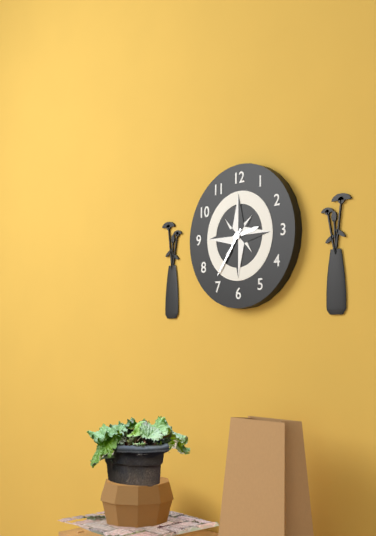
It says 2:36
